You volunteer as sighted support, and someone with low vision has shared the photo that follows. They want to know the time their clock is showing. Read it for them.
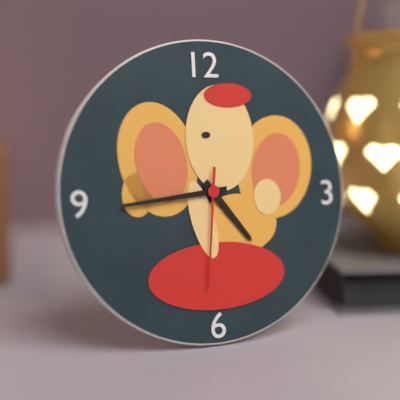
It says 4:44:31
